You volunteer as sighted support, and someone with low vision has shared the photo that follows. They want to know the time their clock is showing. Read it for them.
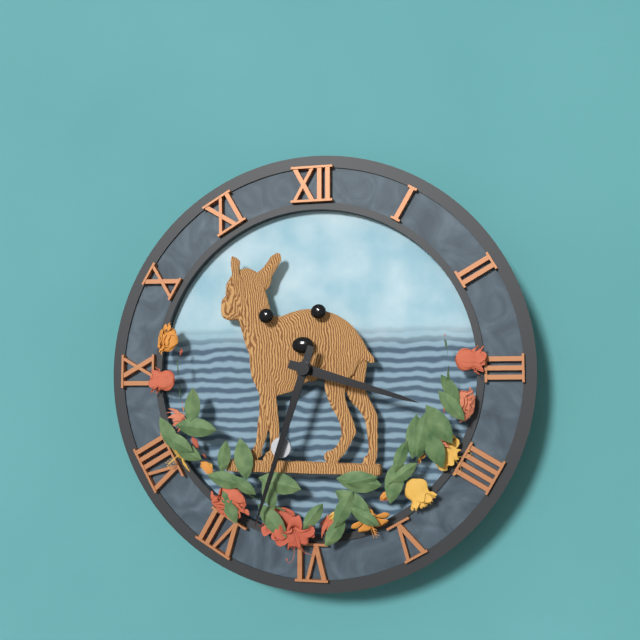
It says 3:33
